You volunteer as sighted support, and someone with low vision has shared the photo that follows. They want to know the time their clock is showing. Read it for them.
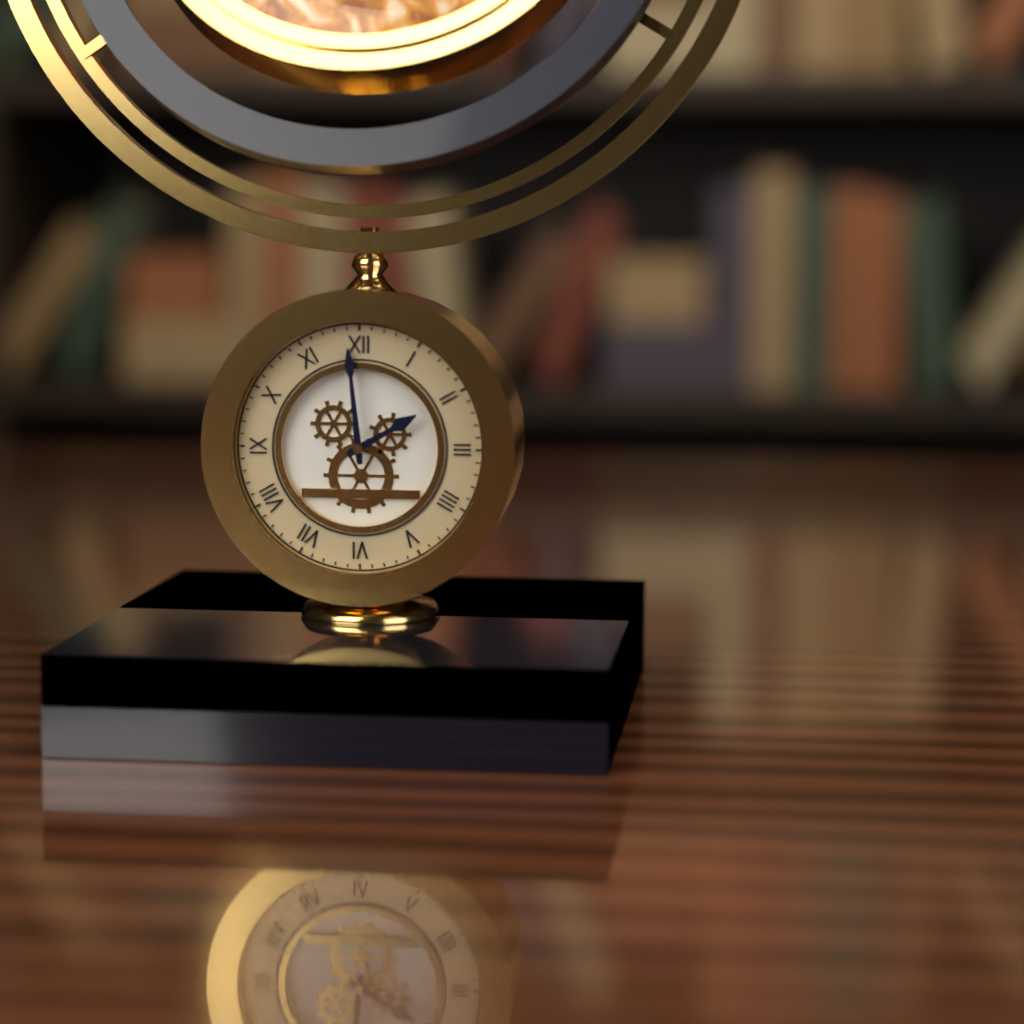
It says 1:59
